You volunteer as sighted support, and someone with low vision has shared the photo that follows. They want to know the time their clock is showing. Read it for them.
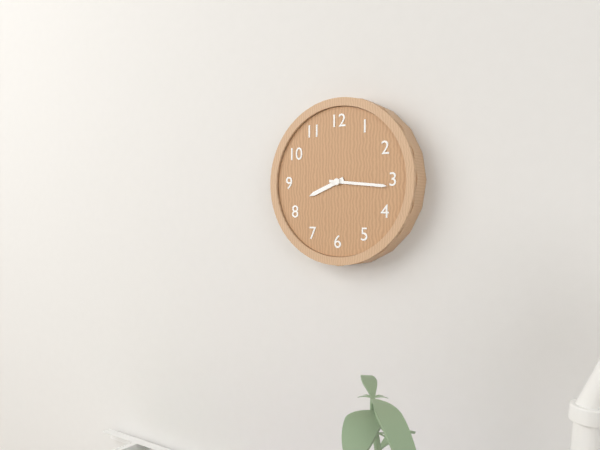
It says 8:16
